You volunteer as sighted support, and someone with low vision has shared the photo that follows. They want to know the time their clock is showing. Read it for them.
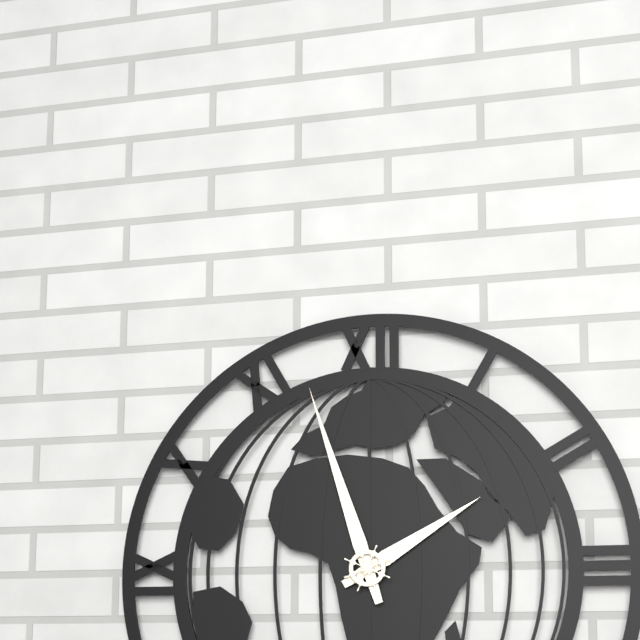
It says 1:57
